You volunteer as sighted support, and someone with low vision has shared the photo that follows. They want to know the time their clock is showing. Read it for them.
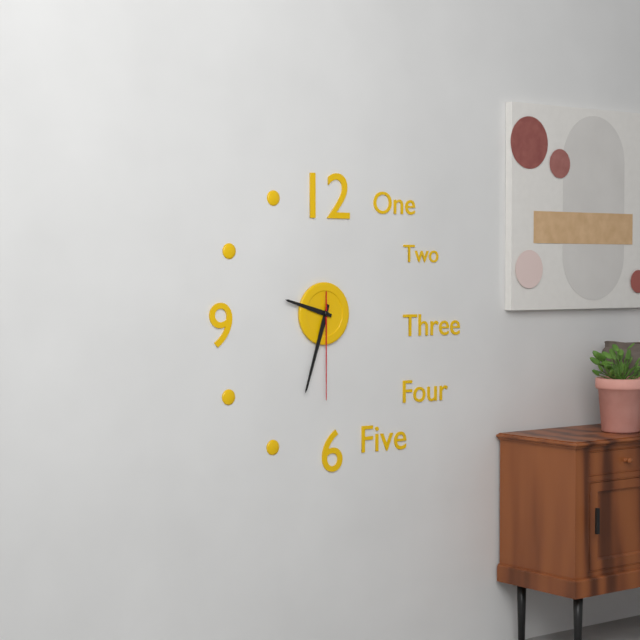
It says 9:33:30
